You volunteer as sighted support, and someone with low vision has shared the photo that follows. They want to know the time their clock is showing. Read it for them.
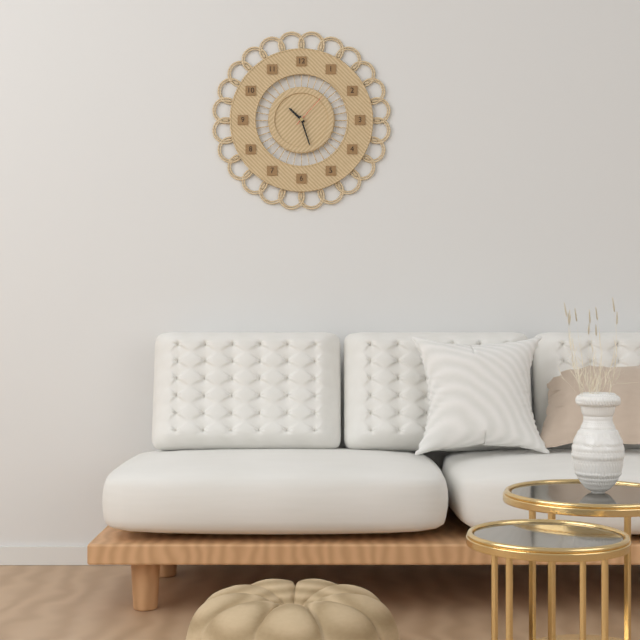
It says 10:27
